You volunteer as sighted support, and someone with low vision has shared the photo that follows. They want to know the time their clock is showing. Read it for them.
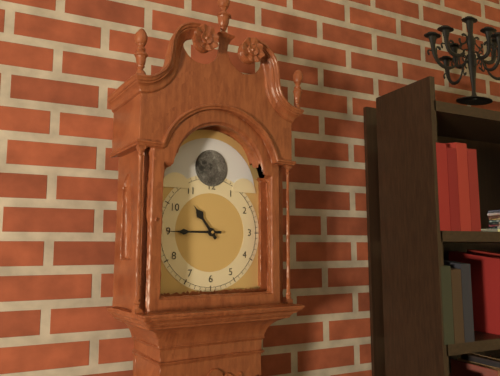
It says 10:45
